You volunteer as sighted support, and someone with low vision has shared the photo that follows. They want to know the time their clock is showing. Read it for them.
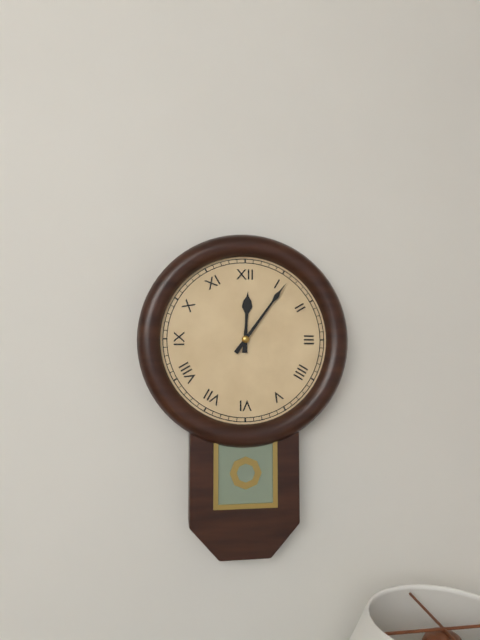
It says 12:06
